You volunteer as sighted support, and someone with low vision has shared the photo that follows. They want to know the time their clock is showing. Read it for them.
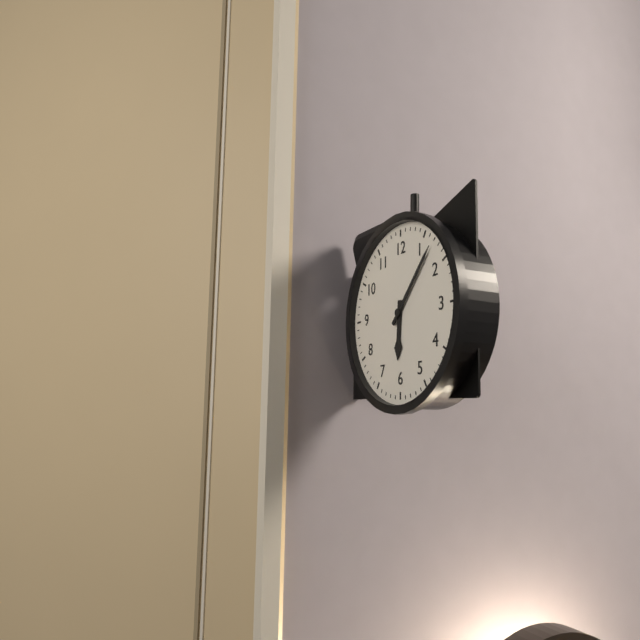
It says 6:07
